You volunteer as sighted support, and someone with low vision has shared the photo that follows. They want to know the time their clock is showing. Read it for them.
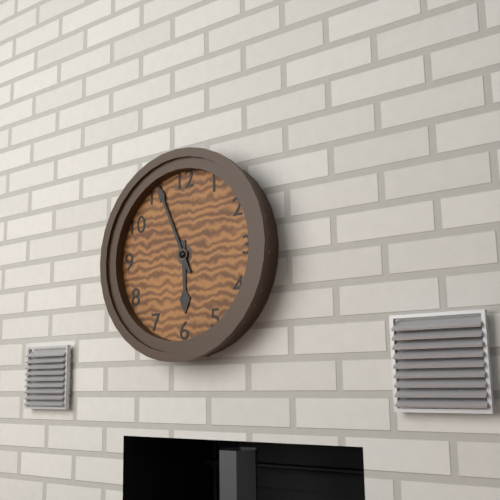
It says 5:56
